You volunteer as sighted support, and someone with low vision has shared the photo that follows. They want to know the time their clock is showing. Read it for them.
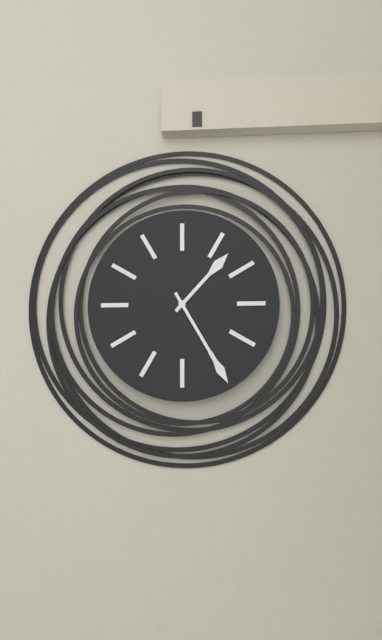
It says 1:25
